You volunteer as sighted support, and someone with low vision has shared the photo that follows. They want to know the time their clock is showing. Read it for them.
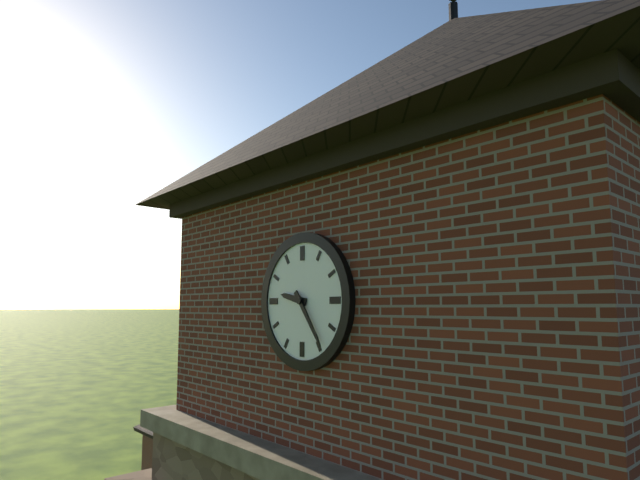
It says 9:24
